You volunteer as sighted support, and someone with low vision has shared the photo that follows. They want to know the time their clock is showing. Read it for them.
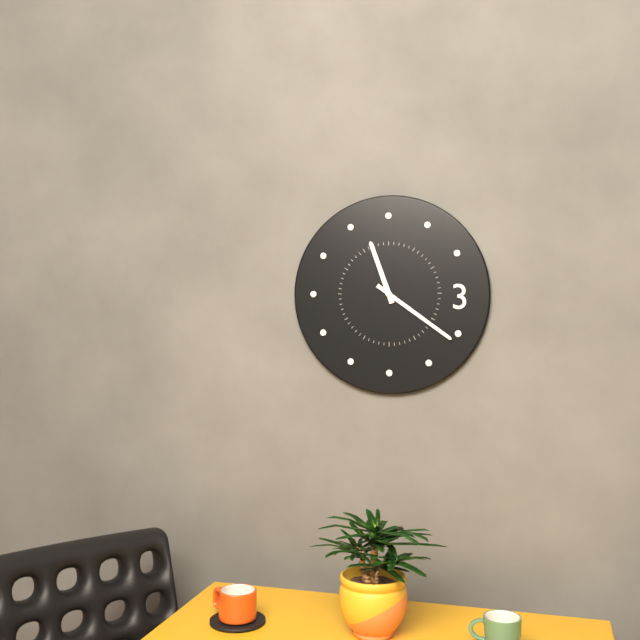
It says 11:21
